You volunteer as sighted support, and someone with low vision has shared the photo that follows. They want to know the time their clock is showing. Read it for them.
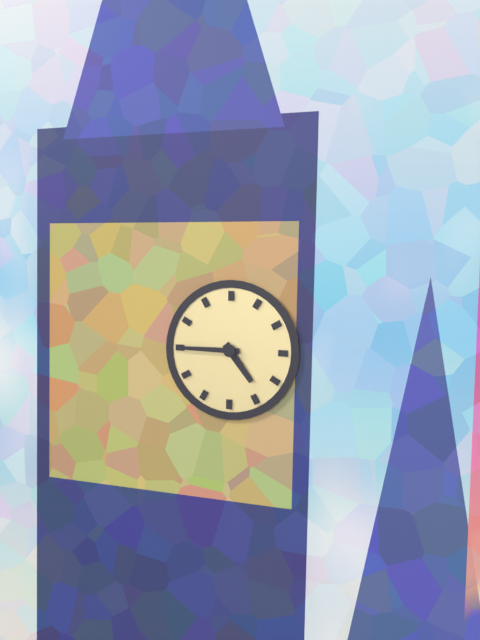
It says 4:45
